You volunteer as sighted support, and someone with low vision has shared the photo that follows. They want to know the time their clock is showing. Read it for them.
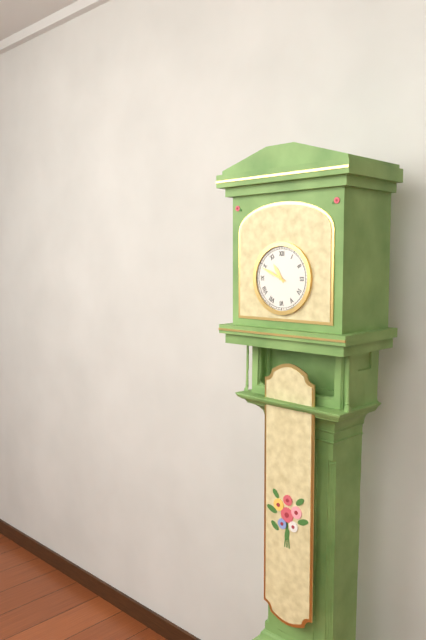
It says 10:49
